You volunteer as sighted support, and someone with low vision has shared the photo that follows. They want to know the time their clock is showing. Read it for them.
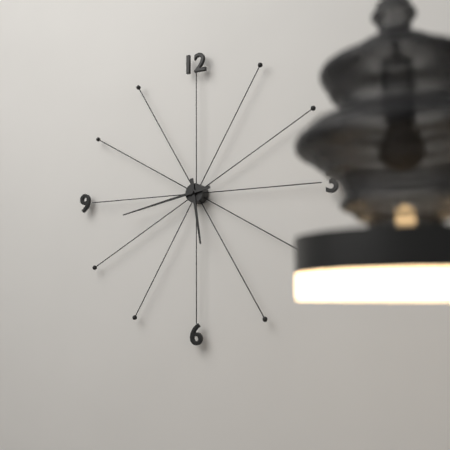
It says 5:43
